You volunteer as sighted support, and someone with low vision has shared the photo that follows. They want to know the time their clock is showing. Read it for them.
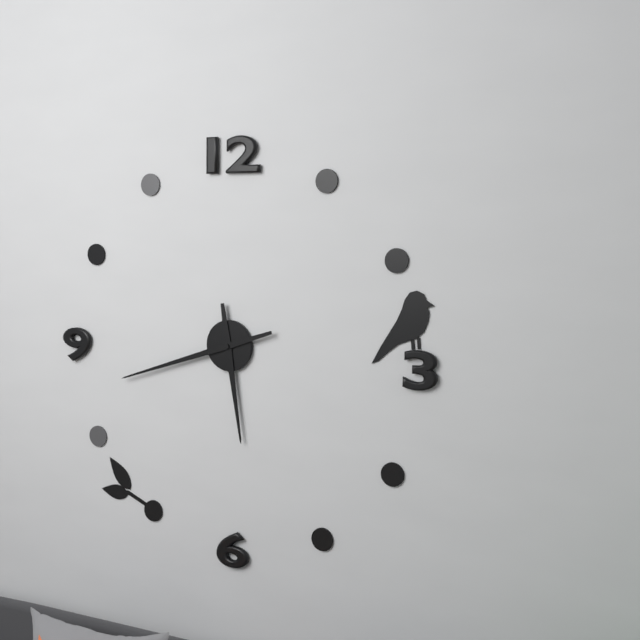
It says 5:42
